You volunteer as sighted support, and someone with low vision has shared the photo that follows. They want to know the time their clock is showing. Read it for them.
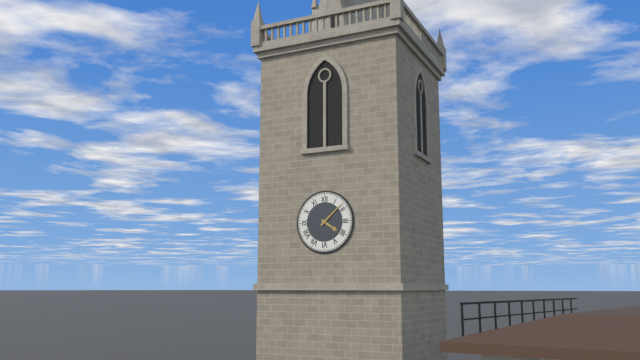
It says 4:08
